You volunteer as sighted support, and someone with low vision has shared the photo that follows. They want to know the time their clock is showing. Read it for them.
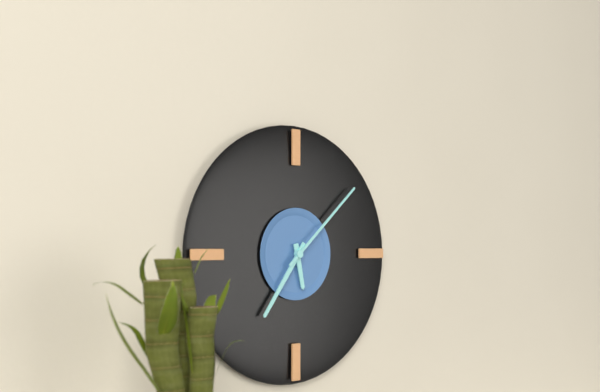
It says 5:36:08
